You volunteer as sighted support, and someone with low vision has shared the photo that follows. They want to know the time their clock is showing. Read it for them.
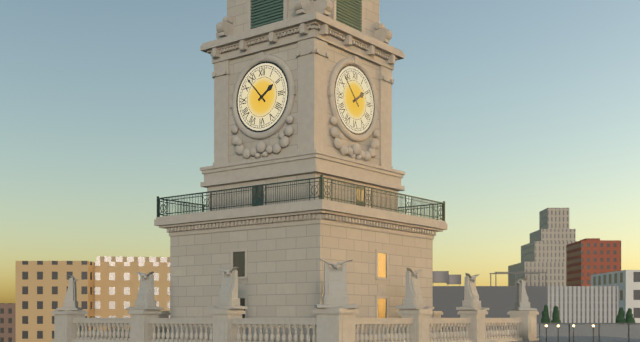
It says 1:53
